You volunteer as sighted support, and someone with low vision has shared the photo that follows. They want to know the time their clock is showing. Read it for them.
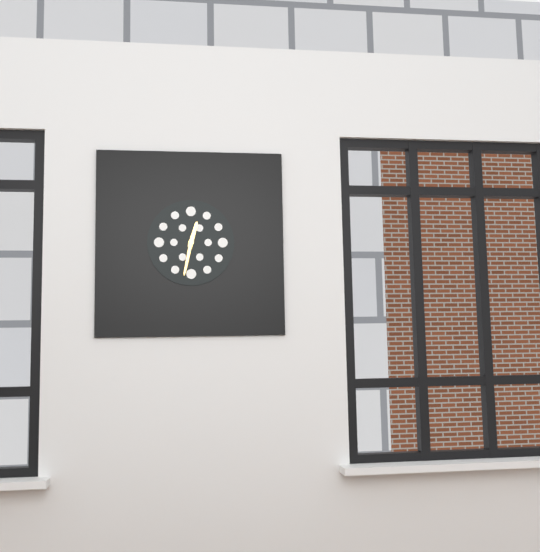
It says 12:32
